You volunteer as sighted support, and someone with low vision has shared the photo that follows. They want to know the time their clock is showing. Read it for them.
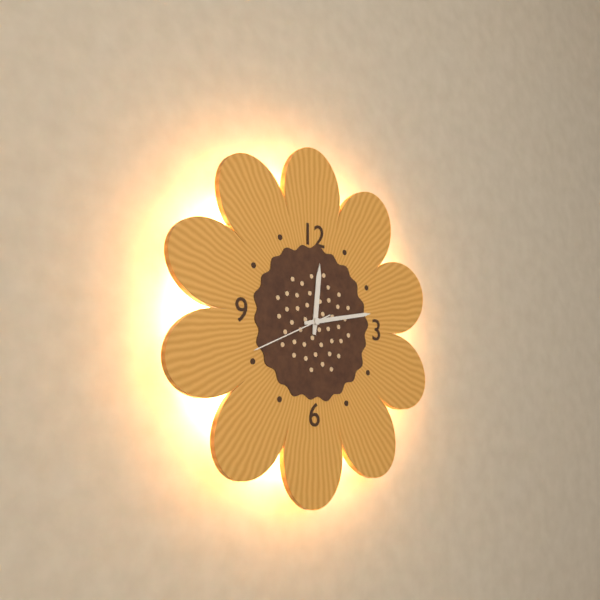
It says 12:13:41
